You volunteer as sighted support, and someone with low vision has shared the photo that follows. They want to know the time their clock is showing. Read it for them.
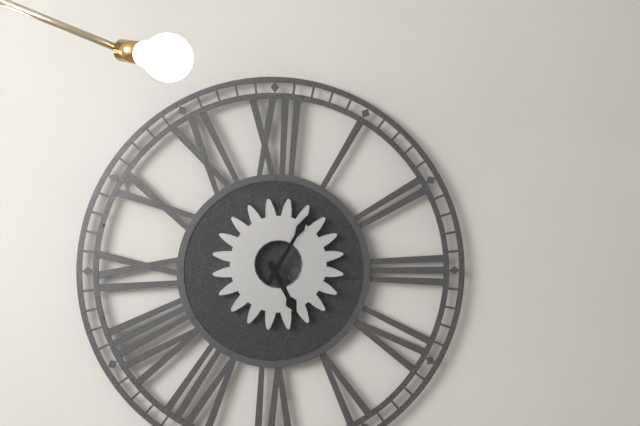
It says 5:05
